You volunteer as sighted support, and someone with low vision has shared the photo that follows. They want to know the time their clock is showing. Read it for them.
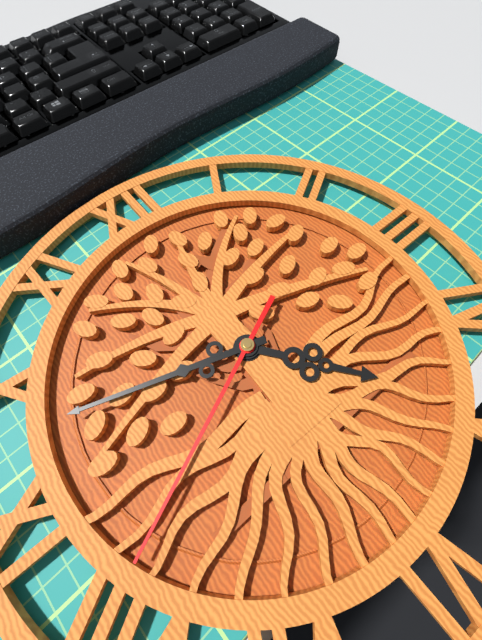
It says 4:48:41
